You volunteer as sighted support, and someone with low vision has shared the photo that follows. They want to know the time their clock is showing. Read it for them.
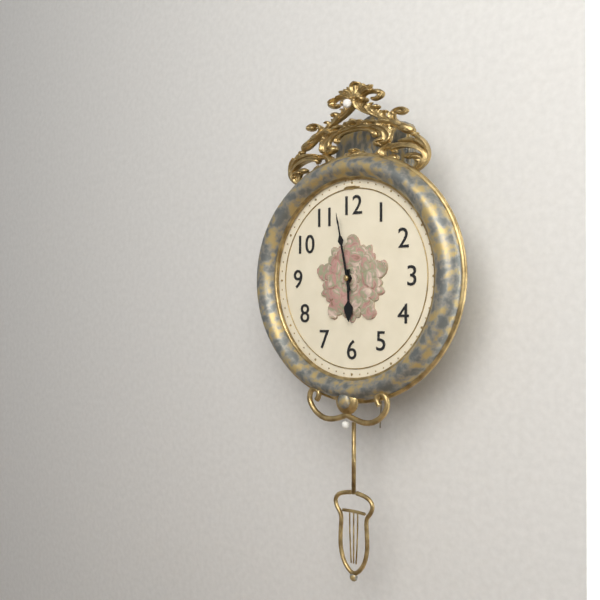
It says 5:58
